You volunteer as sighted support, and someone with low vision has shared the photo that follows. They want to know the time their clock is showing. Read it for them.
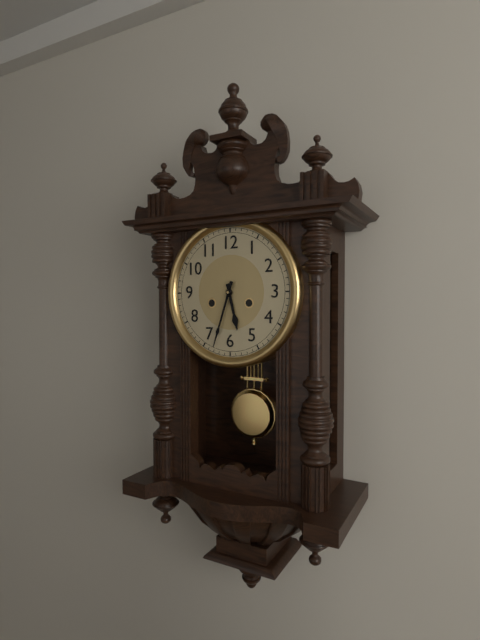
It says 5:33
